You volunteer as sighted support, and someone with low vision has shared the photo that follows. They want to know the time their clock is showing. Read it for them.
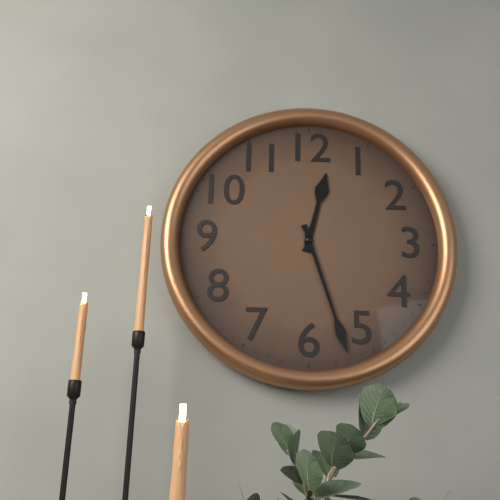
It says 12:27
